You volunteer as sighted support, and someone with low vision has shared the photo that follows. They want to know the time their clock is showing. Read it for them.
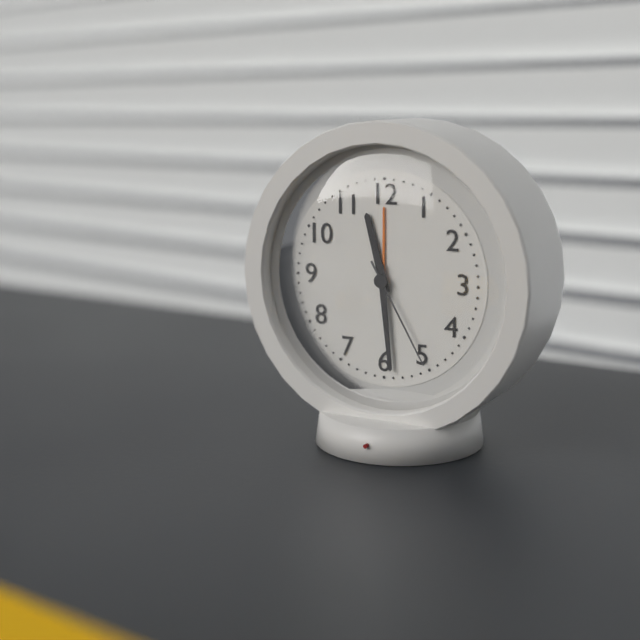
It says 11:29:25
